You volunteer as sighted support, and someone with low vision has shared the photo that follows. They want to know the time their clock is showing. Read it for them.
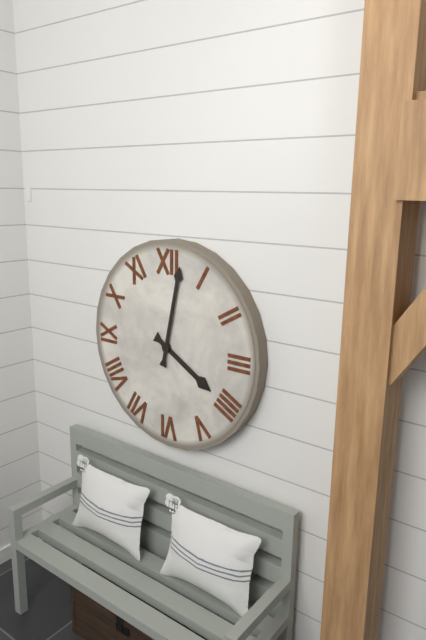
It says 4:02
